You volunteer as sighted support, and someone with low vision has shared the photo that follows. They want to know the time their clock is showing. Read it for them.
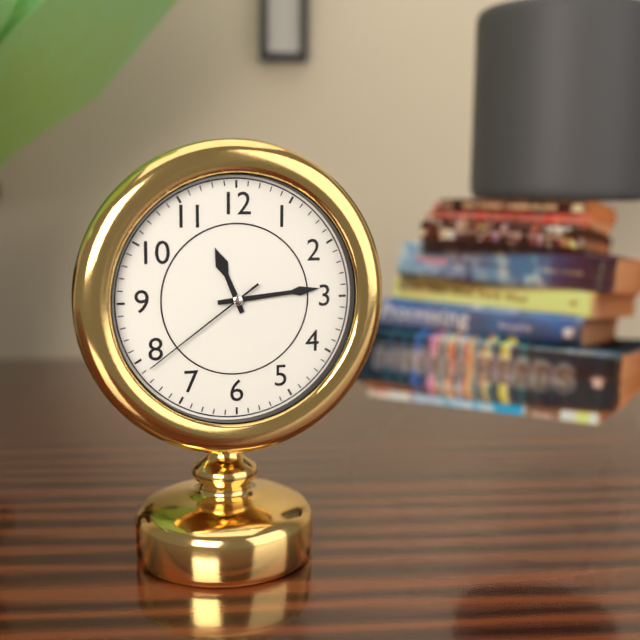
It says 11:14:39
